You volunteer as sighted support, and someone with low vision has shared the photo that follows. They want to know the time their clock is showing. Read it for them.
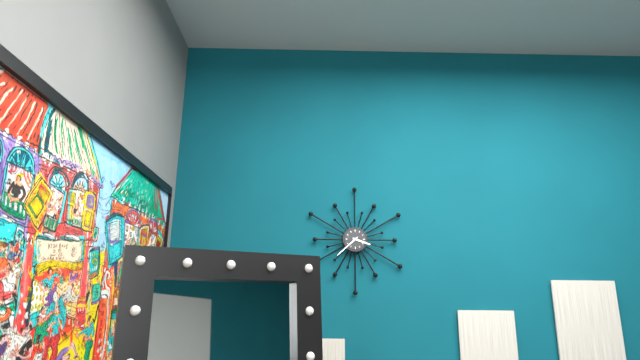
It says 3:38
